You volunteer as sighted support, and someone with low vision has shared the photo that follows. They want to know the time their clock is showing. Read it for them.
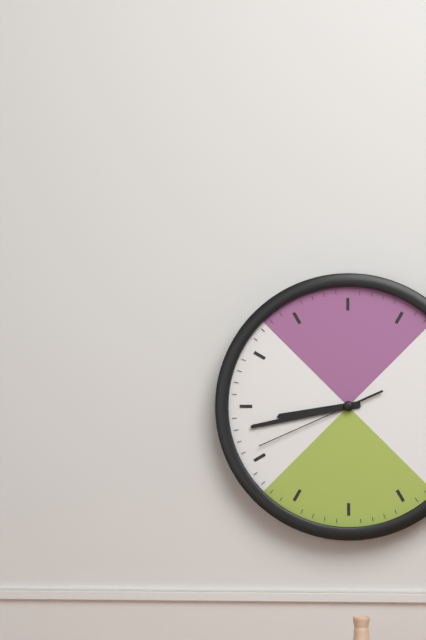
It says 8:43:41
